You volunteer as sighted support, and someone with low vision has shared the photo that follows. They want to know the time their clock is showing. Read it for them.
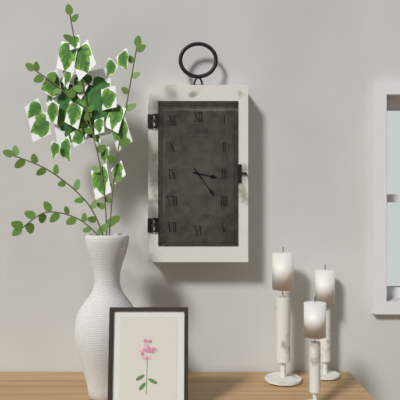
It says 3:24
